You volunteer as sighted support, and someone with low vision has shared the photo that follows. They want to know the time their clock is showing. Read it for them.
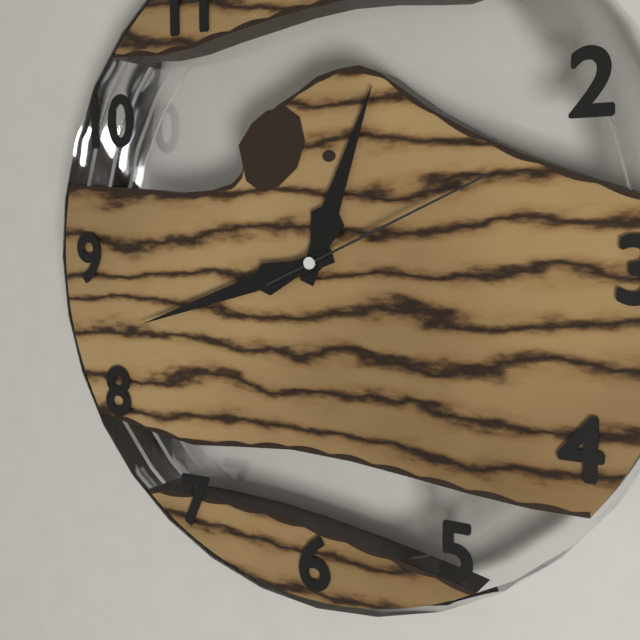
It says 12:42:11
